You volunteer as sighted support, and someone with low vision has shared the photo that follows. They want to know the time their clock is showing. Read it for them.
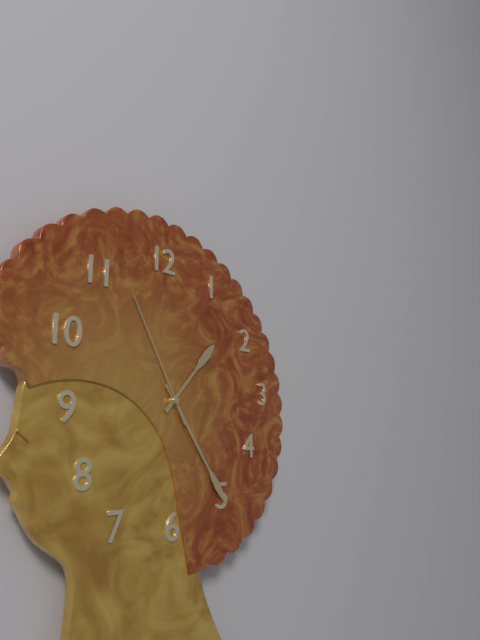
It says 1:24:55
